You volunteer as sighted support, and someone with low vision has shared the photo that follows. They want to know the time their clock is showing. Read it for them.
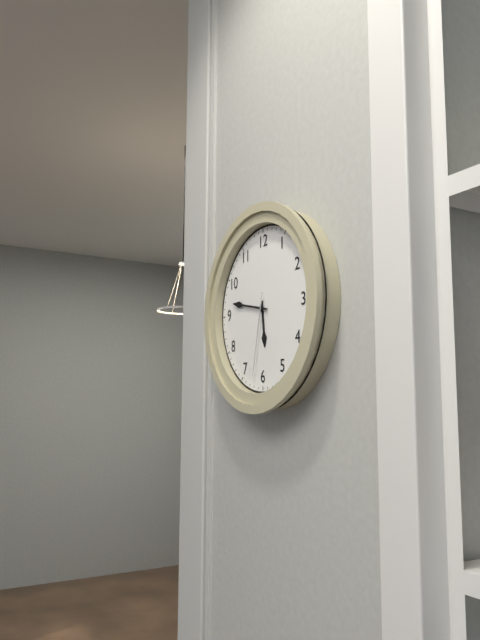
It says 5:47:32
